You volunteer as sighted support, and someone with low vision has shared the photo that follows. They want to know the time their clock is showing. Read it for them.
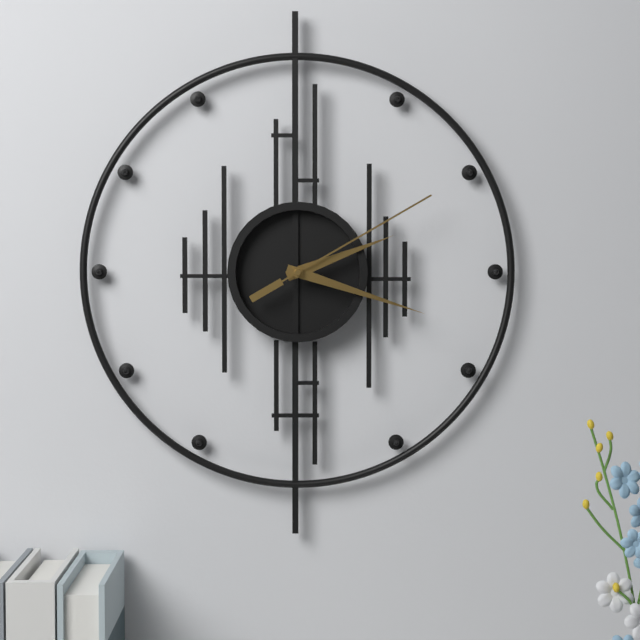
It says 2:18:10
